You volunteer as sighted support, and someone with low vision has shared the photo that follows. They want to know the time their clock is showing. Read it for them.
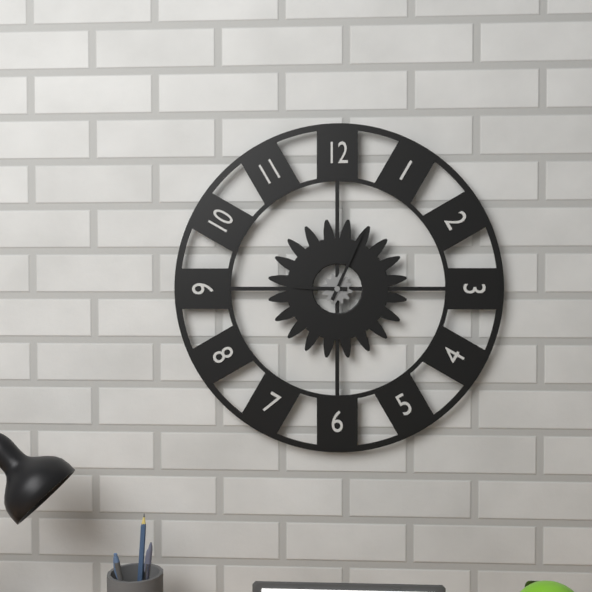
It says 9:04
